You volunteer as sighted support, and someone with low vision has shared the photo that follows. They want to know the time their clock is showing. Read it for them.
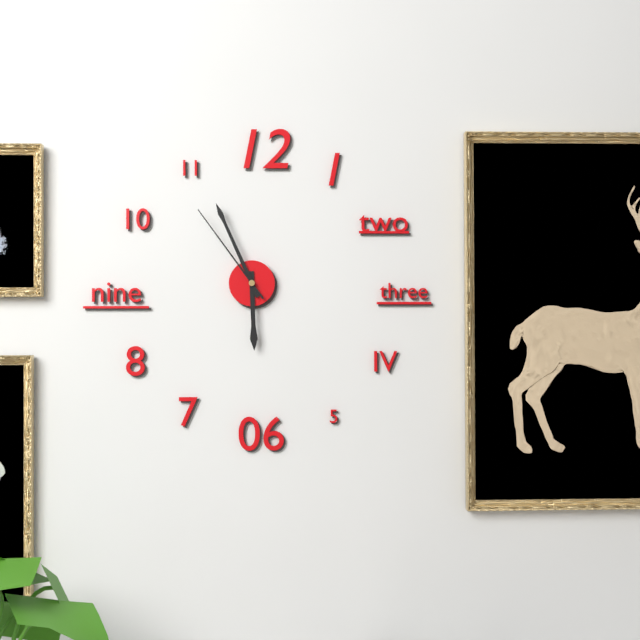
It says 5:56:54
